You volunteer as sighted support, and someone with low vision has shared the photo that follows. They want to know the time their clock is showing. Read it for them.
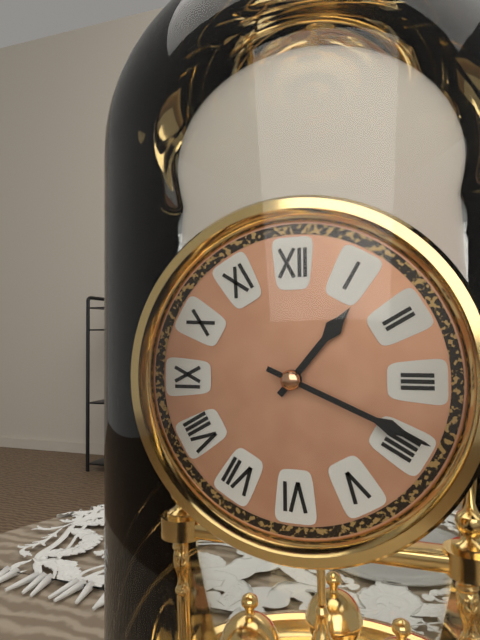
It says 1:19
